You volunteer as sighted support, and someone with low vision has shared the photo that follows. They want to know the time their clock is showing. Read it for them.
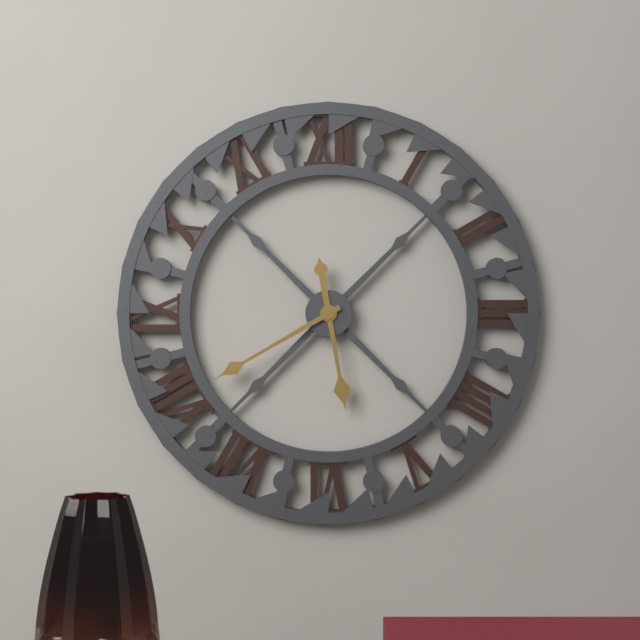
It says 5:40
